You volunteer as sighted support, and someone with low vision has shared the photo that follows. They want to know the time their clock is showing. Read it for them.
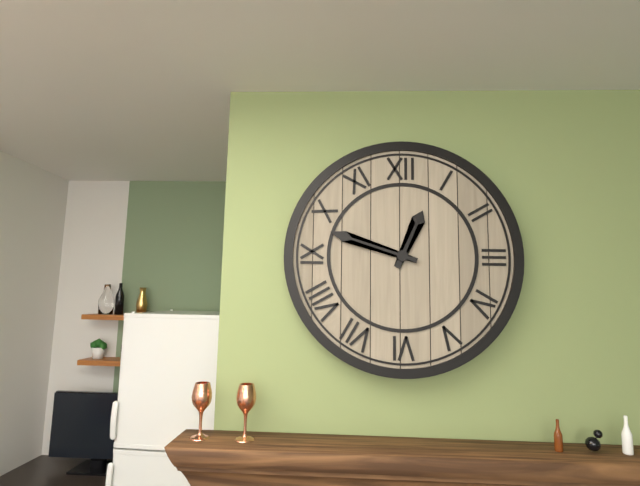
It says 12:48
